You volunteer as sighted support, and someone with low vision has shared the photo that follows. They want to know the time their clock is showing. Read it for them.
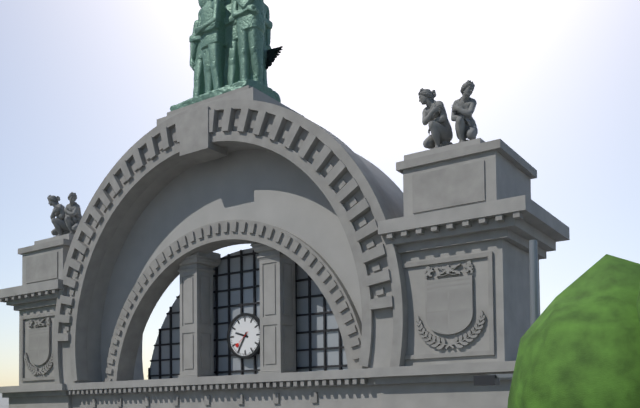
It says 9:35
